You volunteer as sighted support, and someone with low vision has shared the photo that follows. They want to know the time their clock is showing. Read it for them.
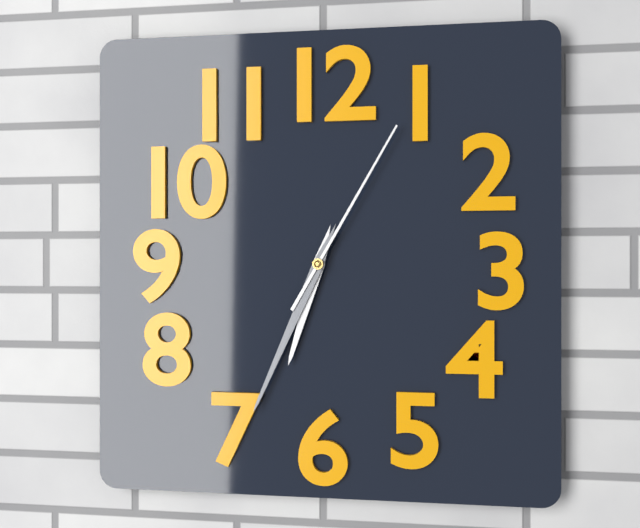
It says 6:34:05
